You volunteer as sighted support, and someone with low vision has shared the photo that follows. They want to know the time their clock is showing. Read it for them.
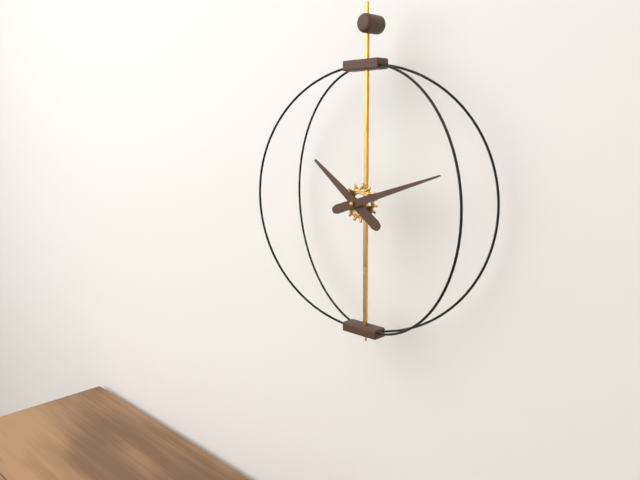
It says 10:12
